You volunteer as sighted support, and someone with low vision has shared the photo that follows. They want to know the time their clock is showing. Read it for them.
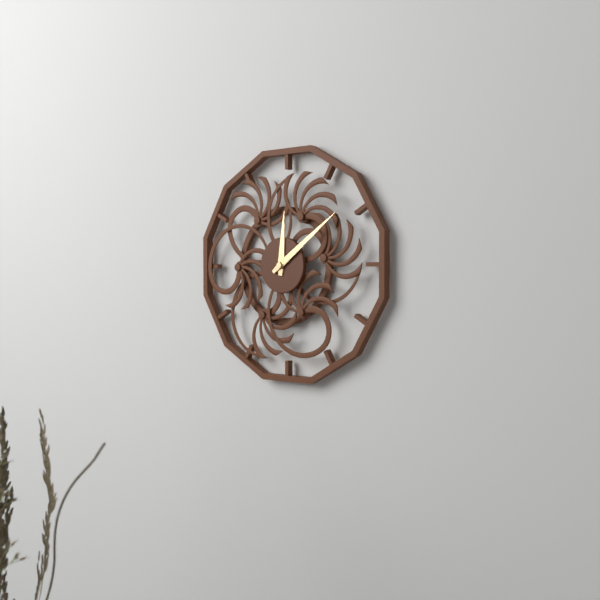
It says 12:09
